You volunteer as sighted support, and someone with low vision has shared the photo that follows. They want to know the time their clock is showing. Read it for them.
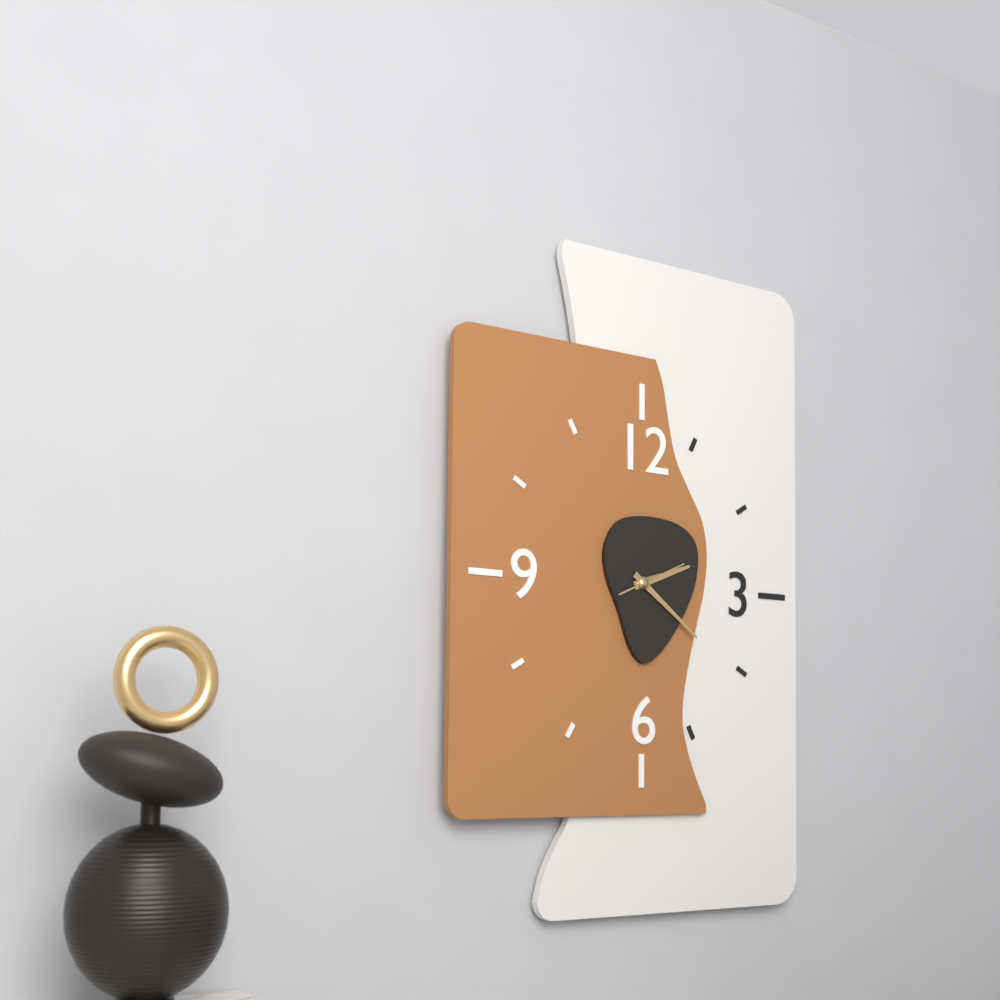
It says 2:21:11
